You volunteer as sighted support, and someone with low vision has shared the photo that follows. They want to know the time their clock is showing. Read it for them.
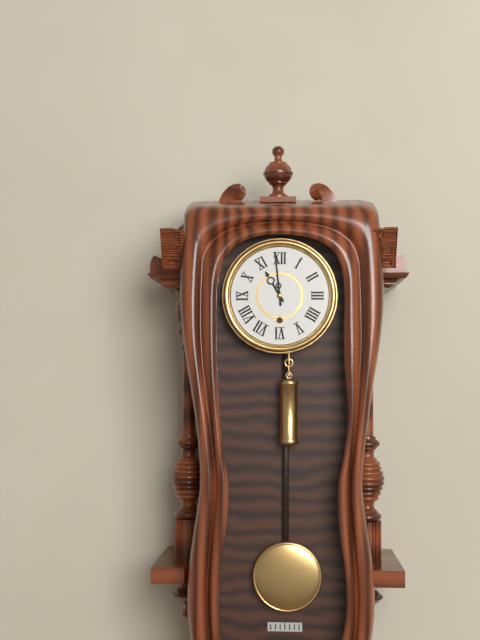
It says 10:59
